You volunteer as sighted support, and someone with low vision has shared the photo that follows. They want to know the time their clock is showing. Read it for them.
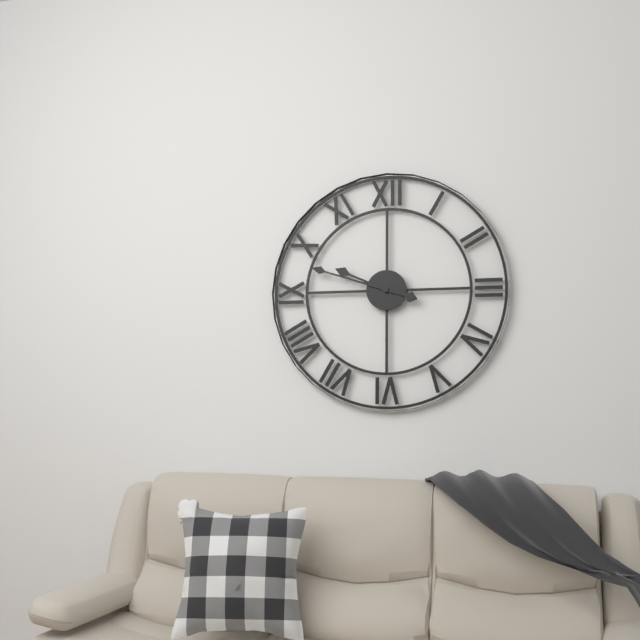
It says 9:48
